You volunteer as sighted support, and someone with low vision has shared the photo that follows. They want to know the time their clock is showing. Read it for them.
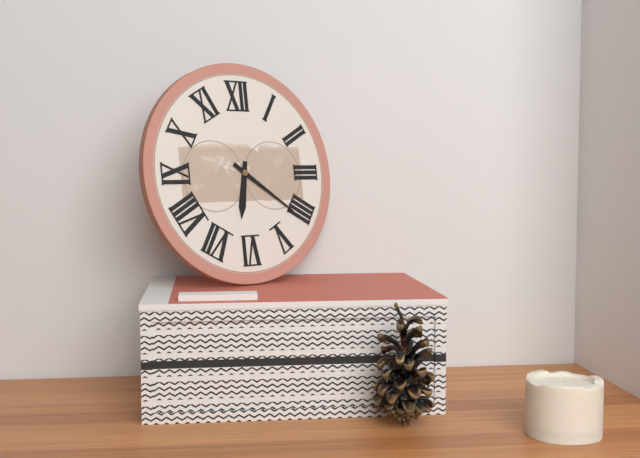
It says 6:21
